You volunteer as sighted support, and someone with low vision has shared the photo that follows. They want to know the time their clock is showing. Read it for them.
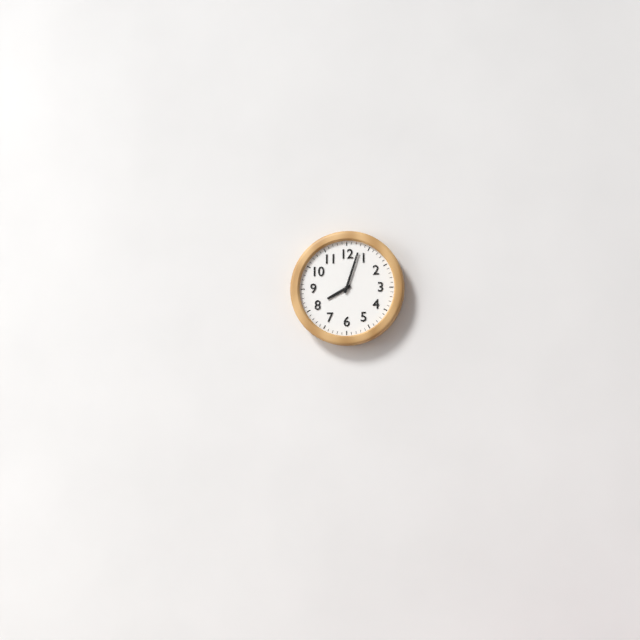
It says 8:03
